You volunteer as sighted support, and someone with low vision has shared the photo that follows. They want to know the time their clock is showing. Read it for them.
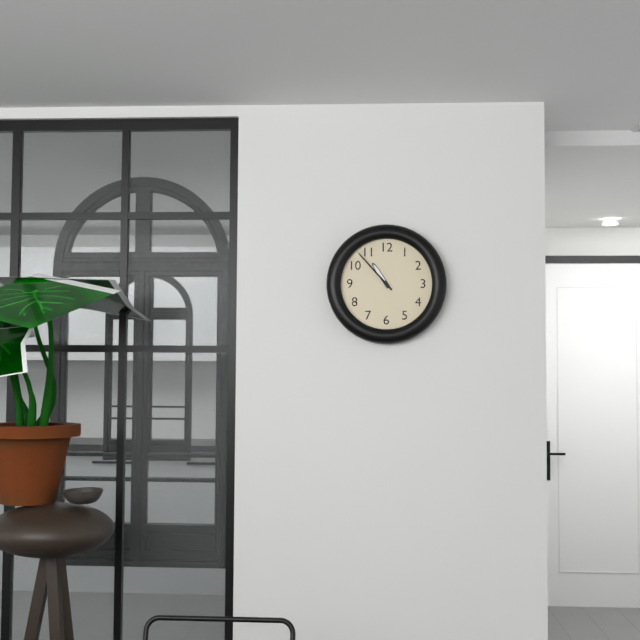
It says 10:53
